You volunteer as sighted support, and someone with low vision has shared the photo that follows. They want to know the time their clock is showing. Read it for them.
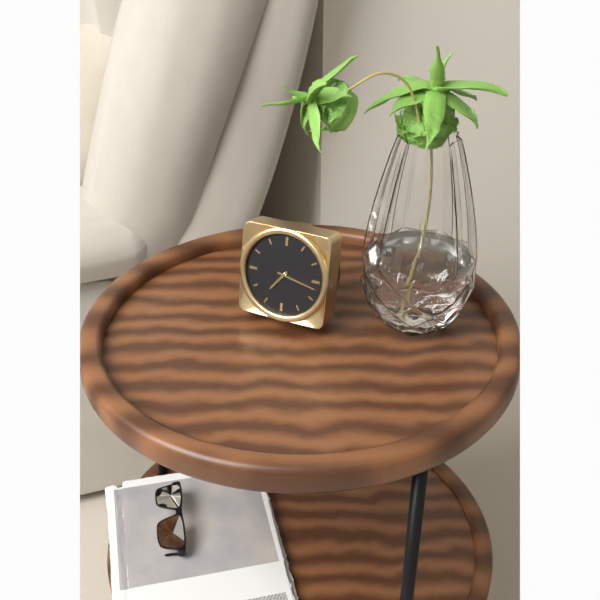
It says 7:17
